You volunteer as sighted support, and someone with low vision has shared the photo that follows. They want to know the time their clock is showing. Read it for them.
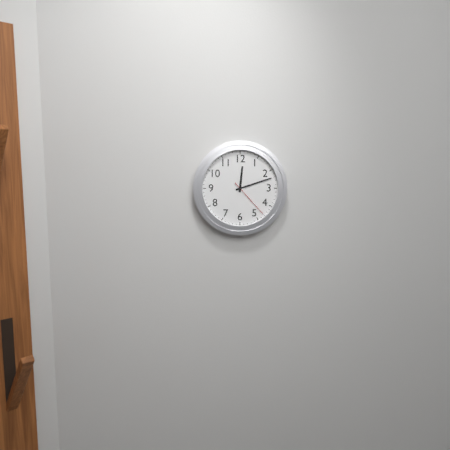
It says 12:12
